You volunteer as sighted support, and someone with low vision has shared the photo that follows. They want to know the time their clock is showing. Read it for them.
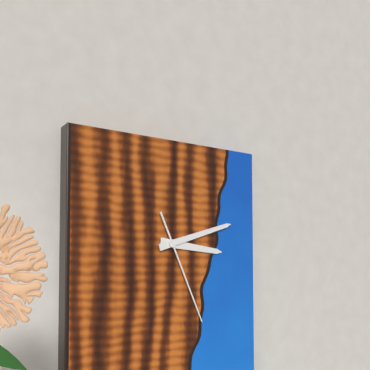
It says 3:12:26
